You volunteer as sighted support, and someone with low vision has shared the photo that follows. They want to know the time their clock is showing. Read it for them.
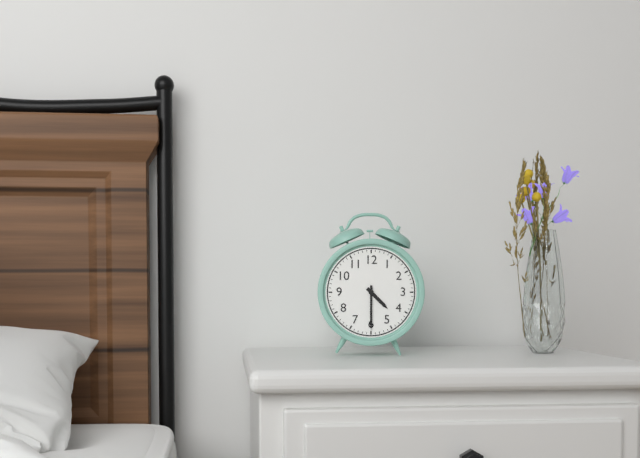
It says 4:30
